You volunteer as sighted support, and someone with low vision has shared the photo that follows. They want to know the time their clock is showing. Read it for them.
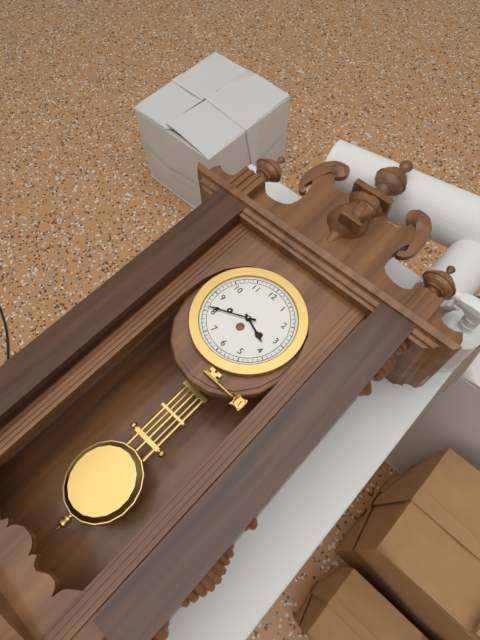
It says 3:41
